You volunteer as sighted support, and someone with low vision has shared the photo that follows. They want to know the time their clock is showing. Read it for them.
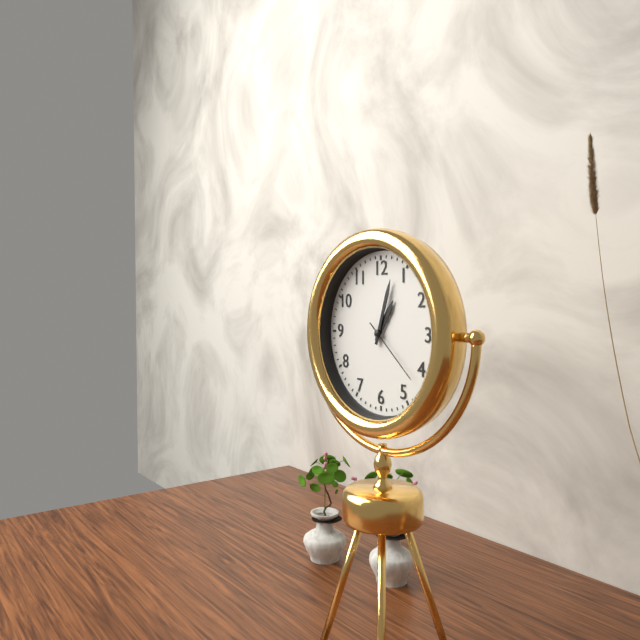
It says 1:03:22
